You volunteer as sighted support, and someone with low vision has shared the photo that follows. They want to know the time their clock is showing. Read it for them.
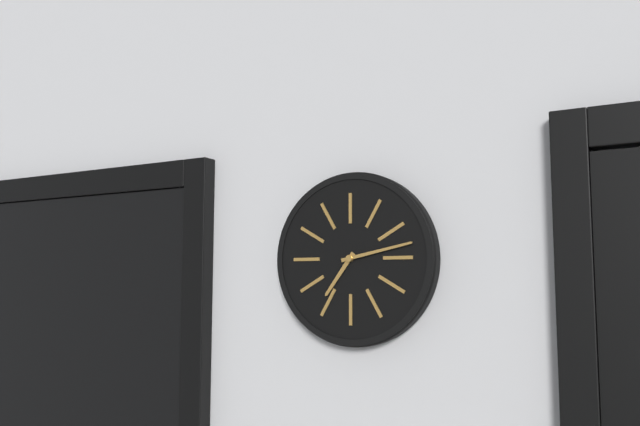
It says 7:13
